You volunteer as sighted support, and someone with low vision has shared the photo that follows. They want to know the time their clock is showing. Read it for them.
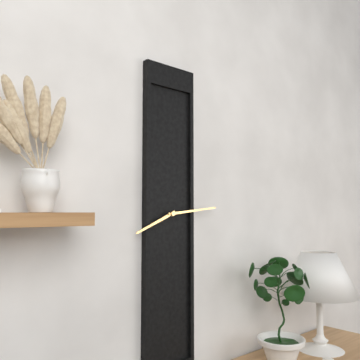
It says 8:14
